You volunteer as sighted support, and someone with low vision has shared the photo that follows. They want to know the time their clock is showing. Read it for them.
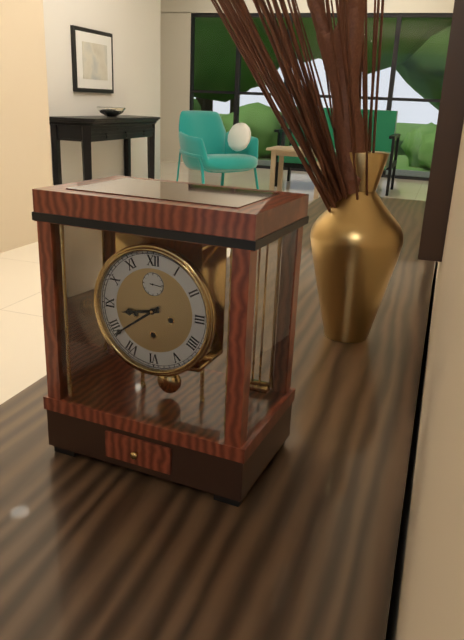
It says 8:39
